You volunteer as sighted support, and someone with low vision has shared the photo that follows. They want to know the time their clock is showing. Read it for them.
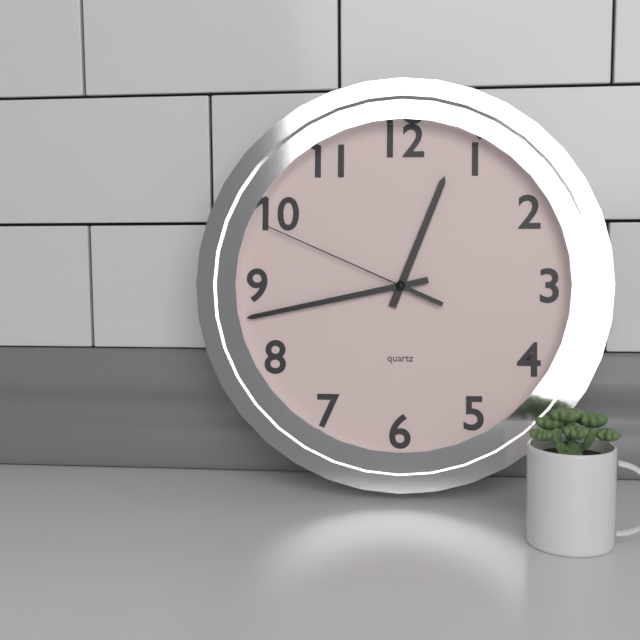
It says 12:43:49
